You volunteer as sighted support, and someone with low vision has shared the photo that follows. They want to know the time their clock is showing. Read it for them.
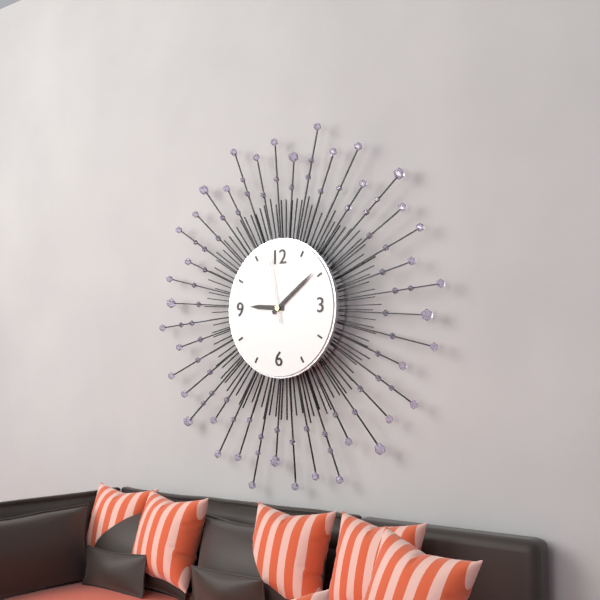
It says 9:09:58
